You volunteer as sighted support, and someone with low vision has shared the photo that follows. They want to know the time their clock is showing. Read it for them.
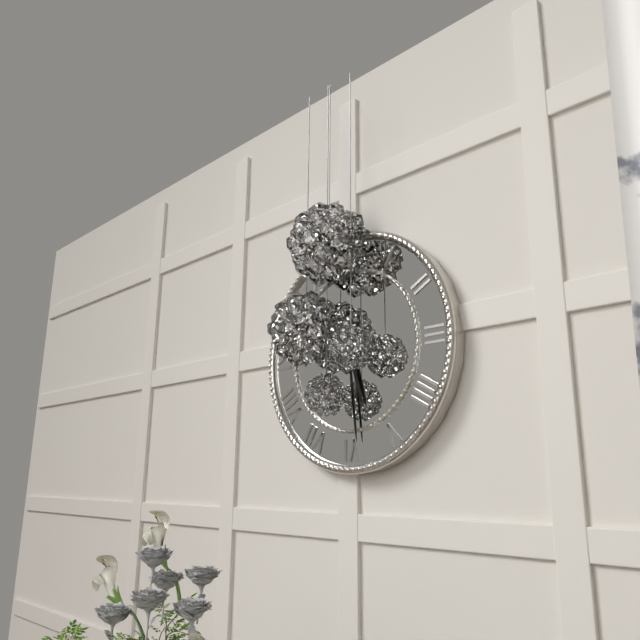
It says 5:29
